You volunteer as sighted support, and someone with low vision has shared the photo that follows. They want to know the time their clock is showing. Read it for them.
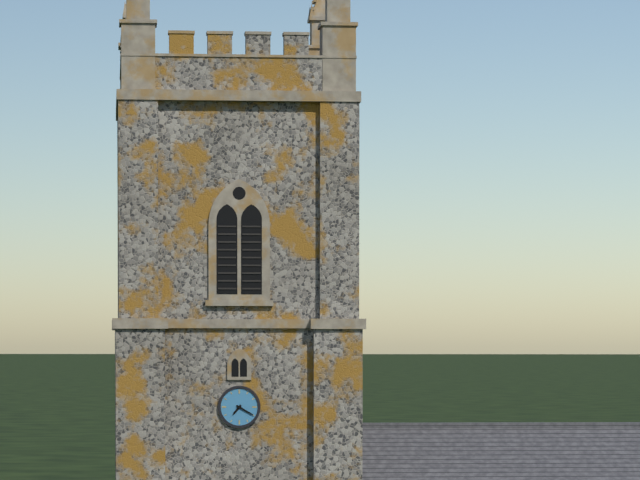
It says 7:20
